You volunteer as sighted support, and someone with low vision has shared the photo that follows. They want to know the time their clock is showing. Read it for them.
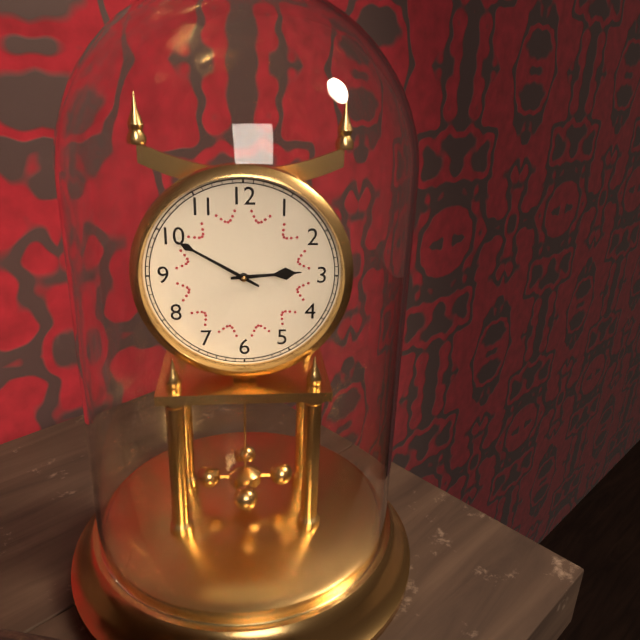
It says 2:50
